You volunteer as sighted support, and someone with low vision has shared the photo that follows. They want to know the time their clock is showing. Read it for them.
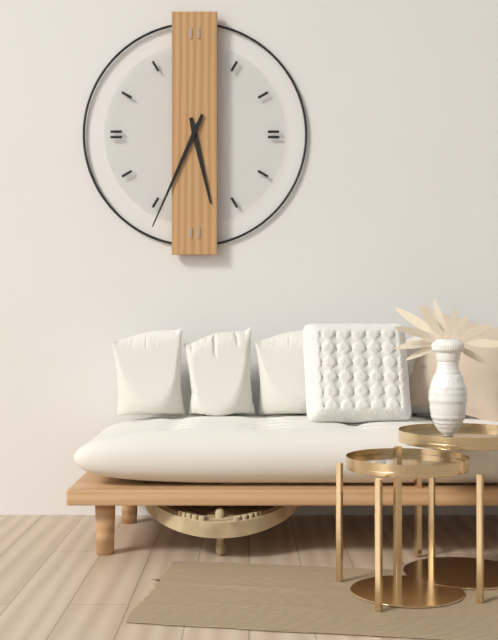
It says 5:34
